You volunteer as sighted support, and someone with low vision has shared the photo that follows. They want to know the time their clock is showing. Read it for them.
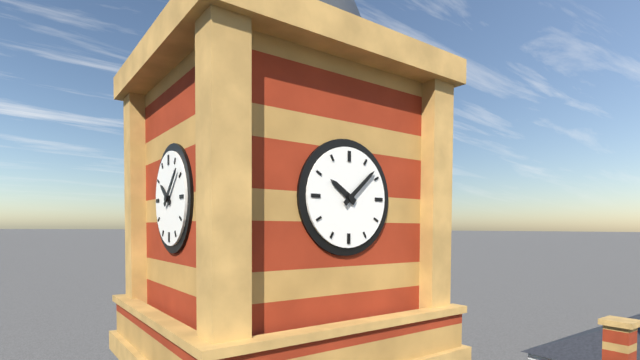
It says 10:08
